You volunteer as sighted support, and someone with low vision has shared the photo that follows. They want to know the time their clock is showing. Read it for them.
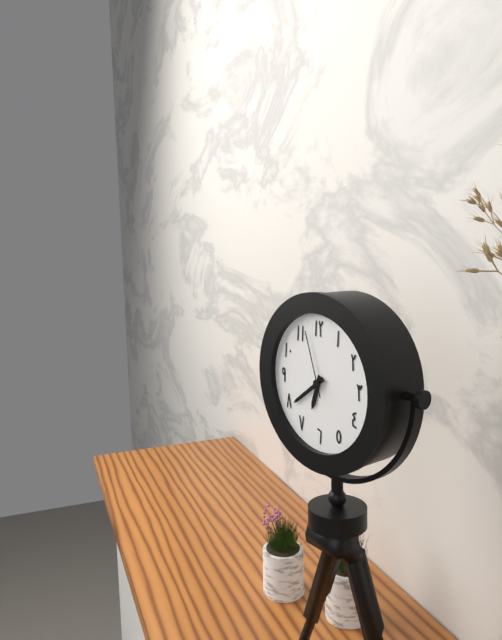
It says 6:39:57
